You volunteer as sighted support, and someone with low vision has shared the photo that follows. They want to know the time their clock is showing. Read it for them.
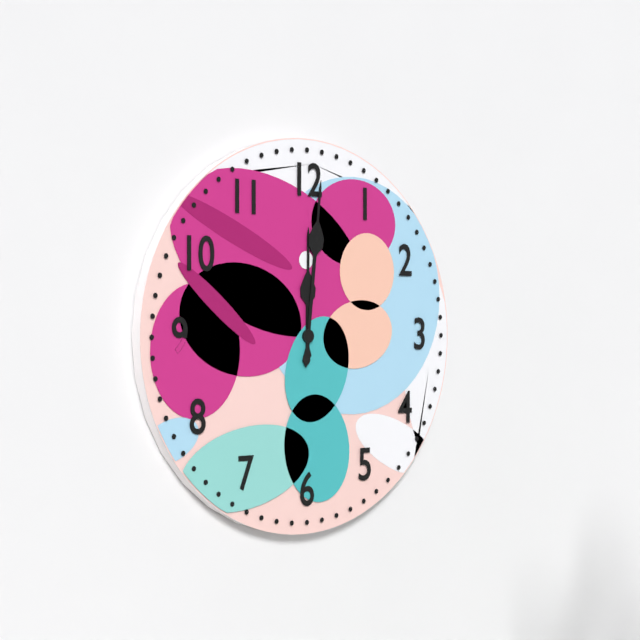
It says 12:01
